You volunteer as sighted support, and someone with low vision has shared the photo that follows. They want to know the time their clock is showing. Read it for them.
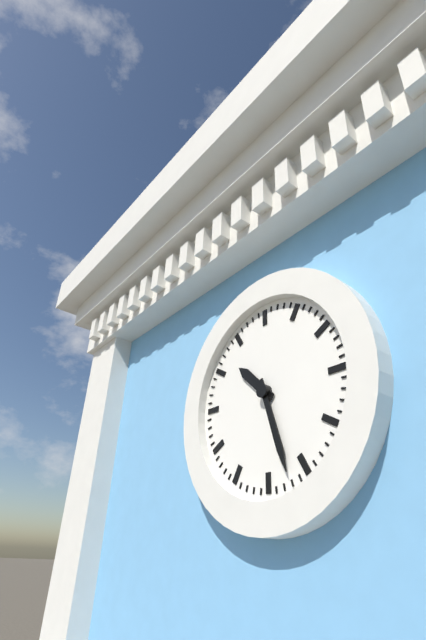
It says 10:27
